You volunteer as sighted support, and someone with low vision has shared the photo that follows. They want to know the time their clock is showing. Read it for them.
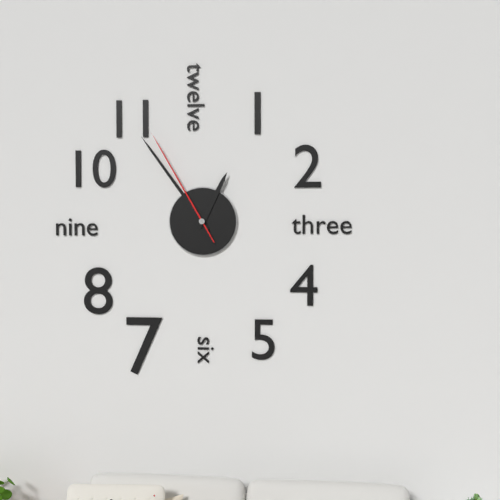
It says 12:54:55
